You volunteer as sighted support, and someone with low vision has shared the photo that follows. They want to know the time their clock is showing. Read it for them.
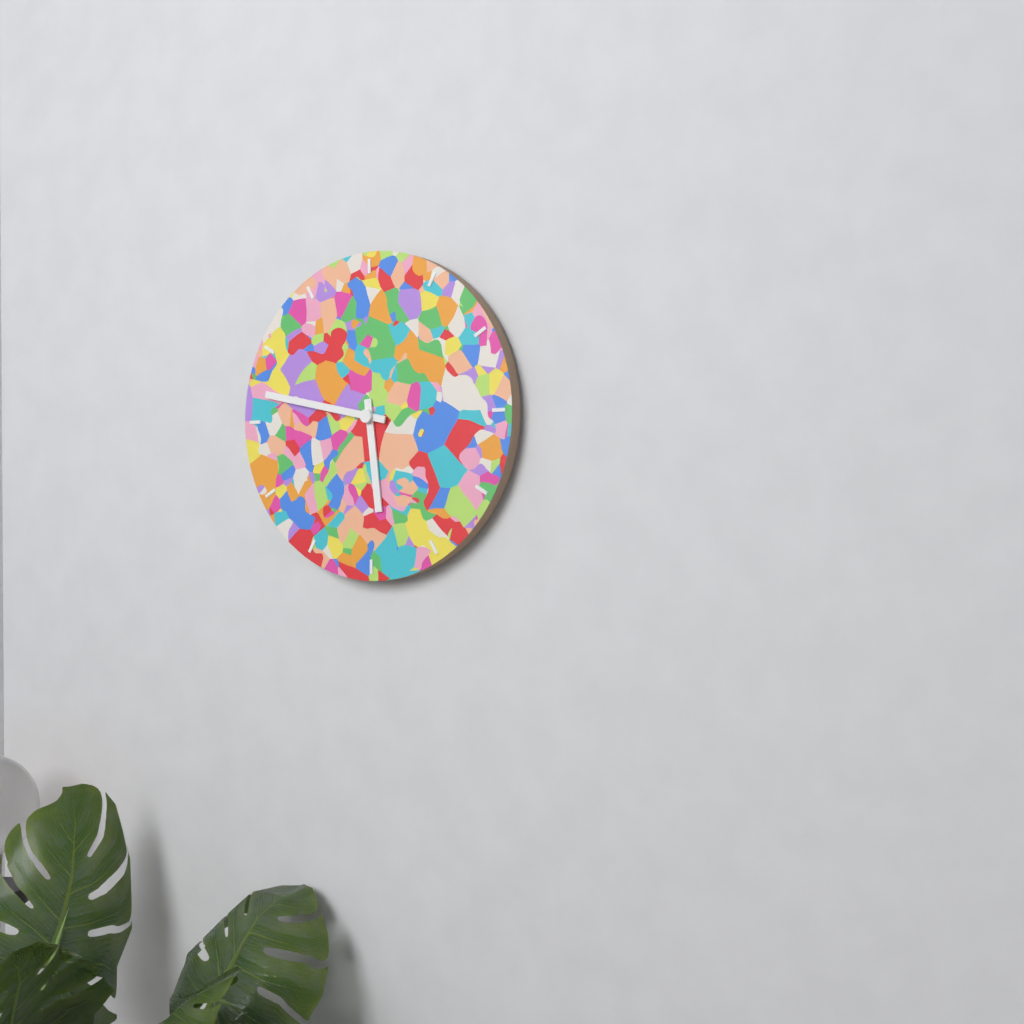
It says 5:47
